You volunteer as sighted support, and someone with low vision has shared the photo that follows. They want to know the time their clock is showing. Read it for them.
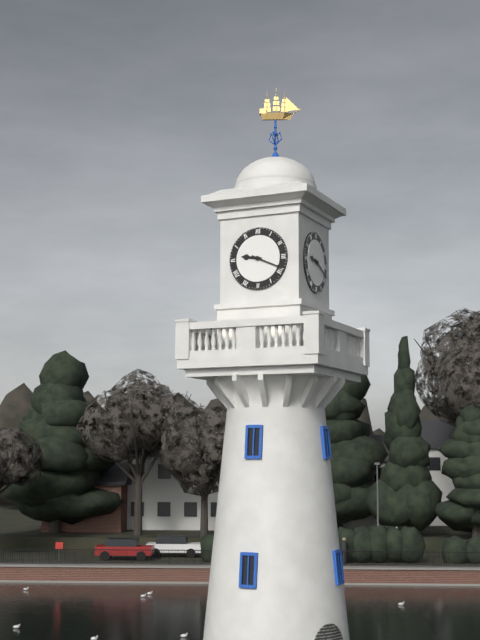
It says 9:19
